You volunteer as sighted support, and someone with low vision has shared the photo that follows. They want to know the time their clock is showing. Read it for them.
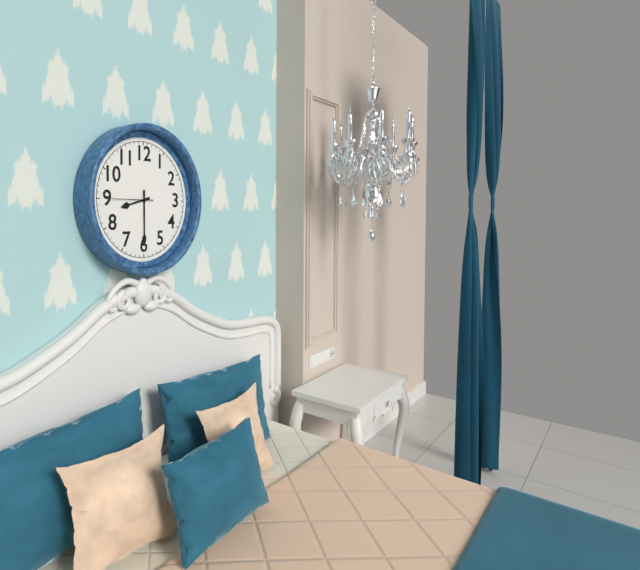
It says 8:30
